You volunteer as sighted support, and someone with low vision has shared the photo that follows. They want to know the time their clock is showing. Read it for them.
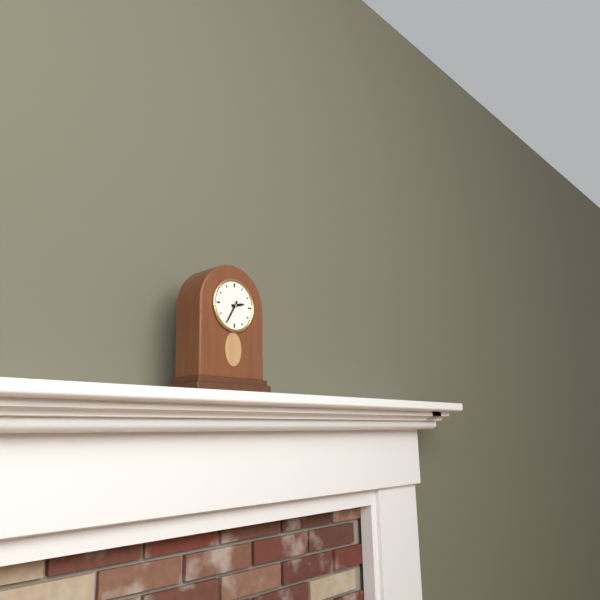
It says 2:35
